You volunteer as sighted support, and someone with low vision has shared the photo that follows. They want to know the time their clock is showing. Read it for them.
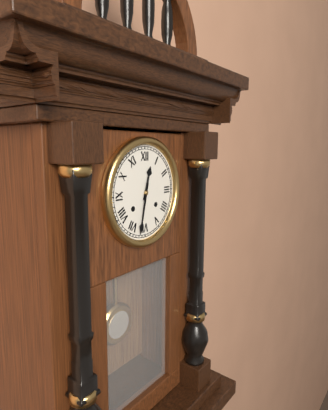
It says 12:32
